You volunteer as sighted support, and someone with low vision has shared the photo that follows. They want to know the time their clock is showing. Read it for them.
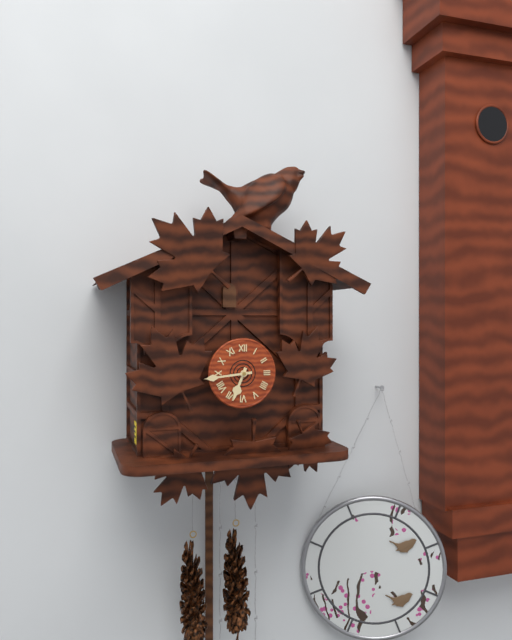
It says 6:44
